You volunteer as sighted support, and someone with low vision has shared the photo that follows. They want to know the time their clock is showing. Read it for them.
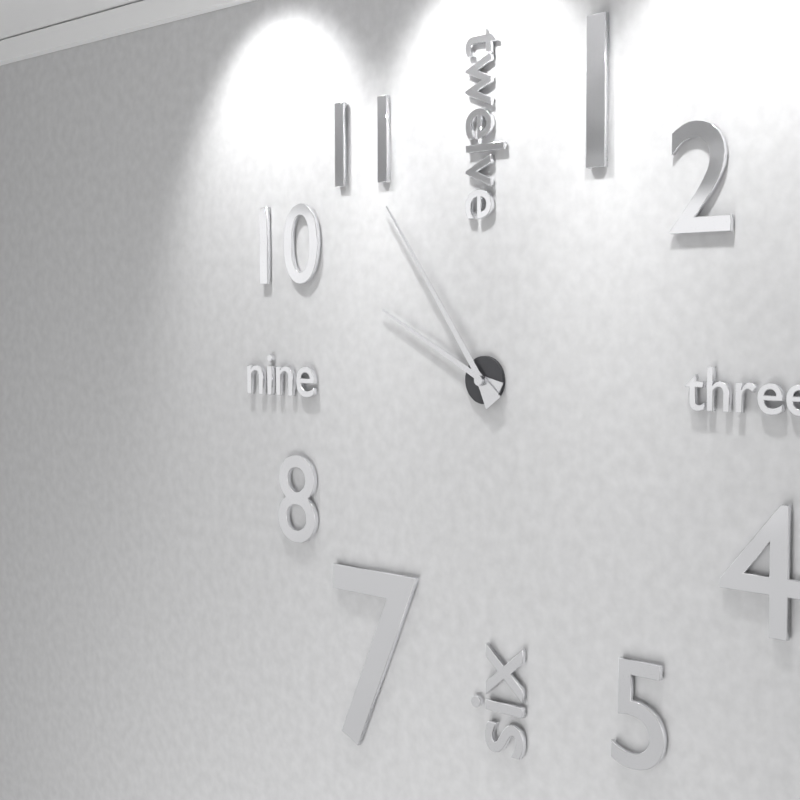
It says 9:54
